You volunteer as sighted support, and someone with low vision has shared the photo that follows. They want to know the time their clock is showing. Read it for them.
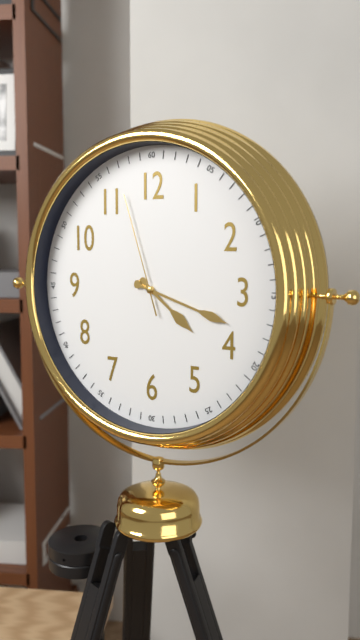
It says 4:18:57
